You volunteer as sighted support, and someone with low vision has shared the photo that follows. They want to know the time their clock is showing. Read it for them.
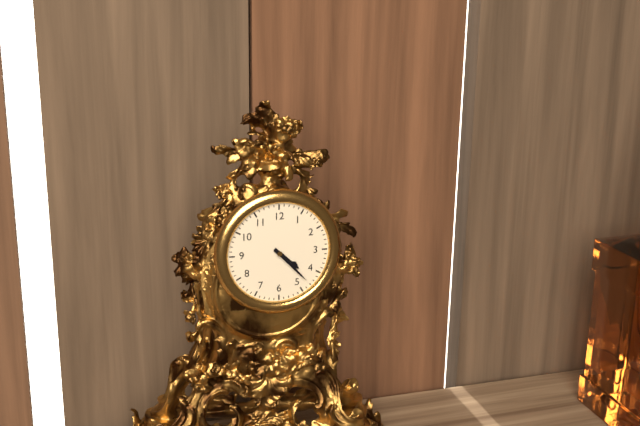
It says 4:23
